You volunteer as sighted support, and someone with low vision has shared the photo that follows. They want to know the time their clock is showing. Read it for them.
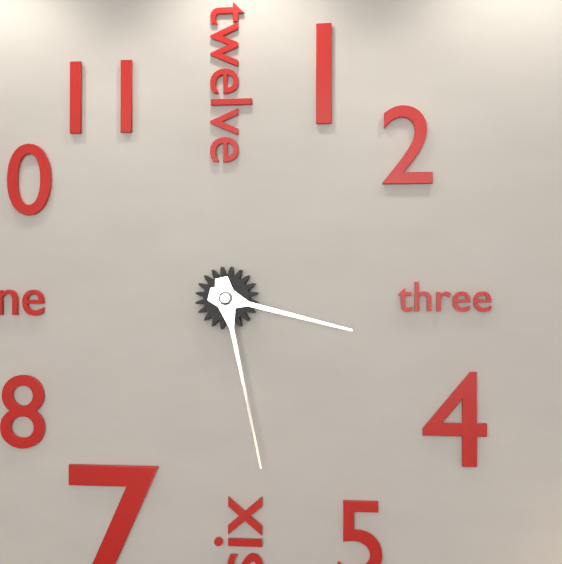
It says 3:28
